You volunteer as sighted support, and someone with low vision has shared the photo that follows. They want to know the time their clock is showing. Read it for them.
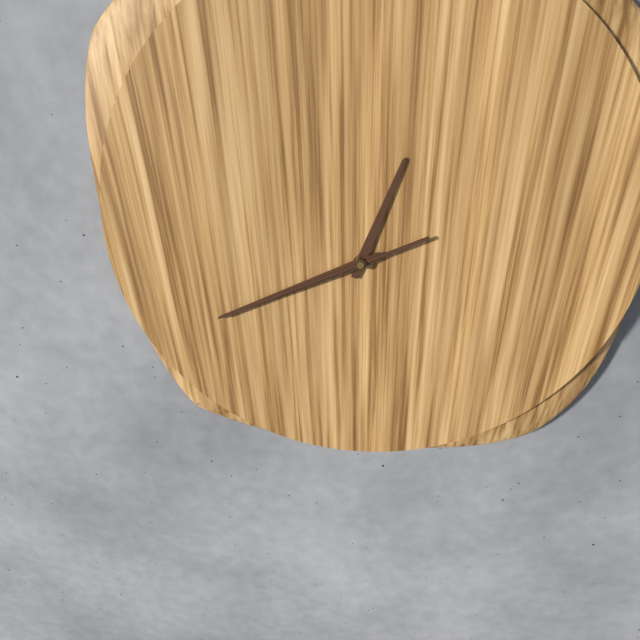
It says 12:41:41
